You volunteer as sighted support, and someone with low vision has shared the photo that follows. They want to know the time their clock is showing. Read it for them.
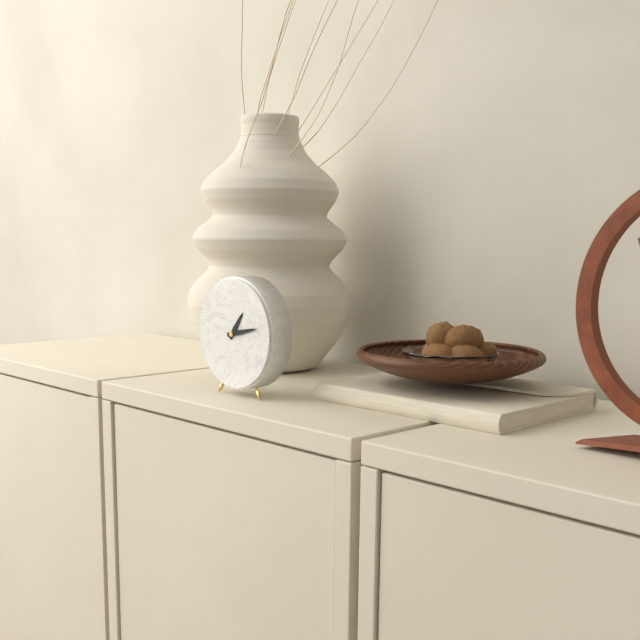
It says 1:13
